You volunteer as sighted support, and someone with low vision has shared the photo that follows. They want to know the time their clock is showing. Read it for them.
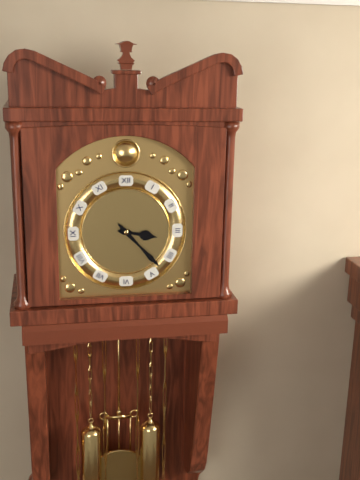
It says 3:23
